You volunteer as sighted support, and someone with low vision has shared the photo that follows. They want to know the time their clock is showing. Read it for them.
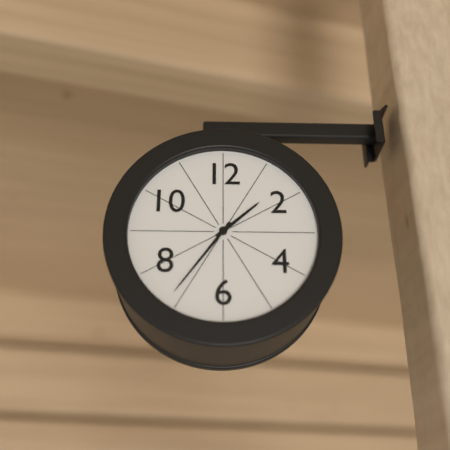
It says 1:36
